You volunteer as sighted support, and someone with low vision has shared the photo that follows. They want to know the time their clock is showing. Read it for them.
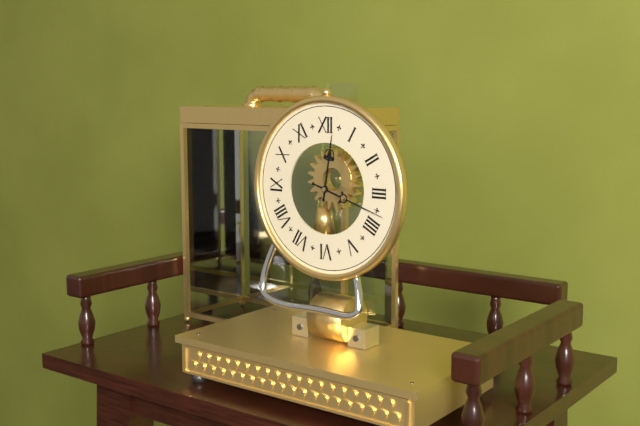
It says 12:18
